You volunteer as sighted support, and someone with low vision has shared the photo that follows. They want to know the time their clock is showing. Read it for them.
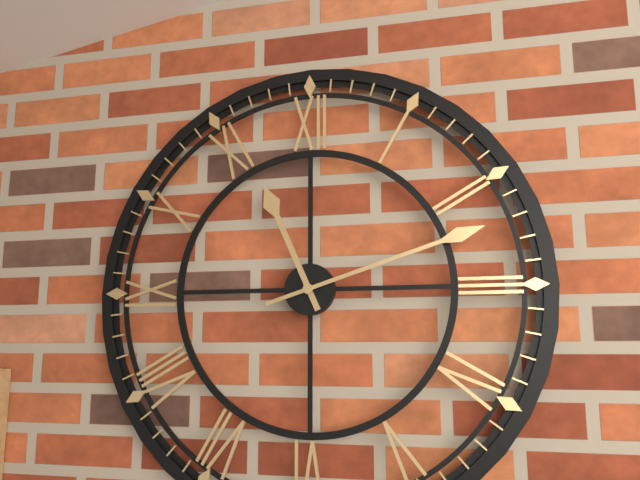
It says 11:12
